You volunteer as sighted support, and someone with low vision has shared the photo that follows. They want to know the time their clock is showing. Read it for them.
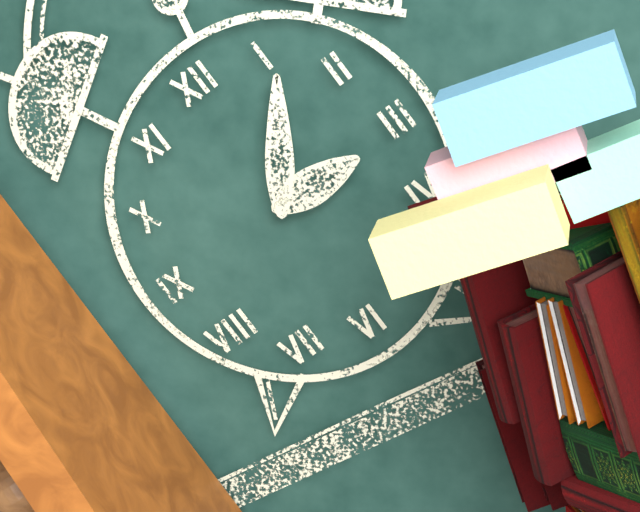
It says 3:06
